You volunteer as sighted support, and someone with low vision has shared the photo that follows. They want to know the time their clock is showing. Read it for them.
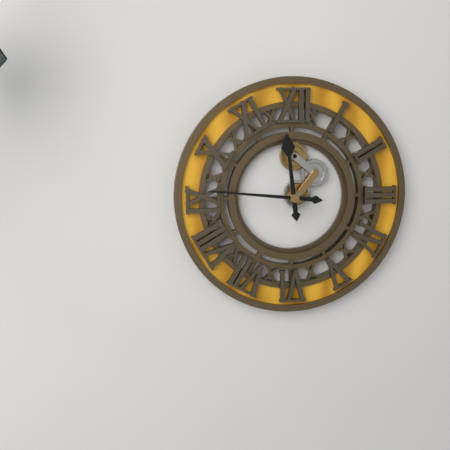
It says 11:46
